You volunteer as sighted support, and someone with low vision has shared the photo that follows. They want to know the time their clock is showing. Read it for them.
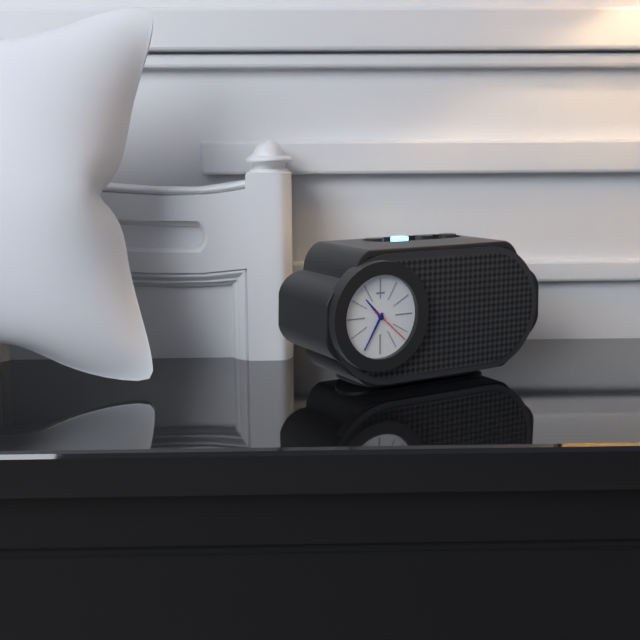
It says 10:35:22
